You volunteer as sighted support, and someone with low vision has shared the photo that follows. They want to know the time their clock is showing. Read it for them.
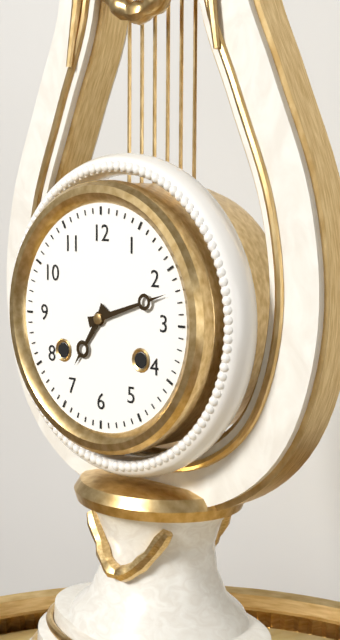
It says 7:12
